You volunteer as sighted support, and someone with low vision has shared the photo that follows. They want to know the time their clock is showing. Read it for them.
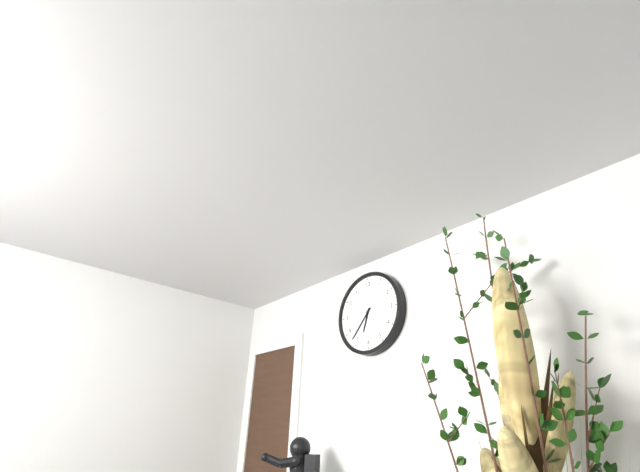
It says 6:37
